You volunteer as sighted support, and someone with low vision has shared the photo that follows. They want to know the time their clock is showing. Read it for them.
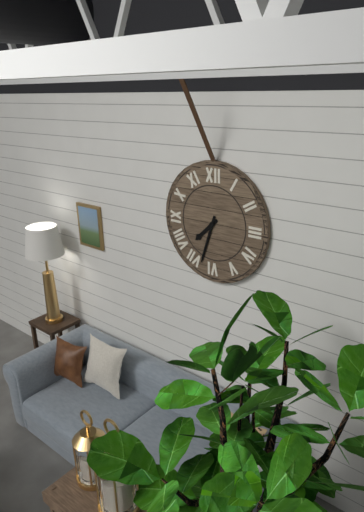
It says 7:33
